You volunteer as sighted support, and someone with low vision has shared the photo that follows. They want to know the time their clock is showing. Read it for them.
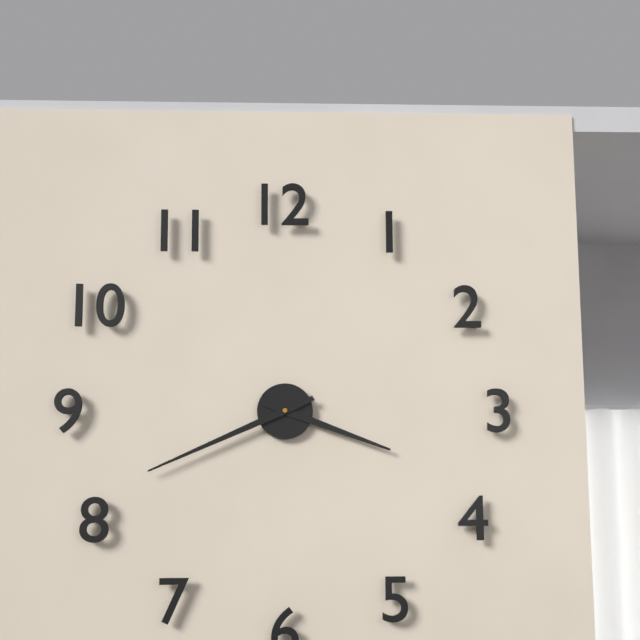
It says 3:41
